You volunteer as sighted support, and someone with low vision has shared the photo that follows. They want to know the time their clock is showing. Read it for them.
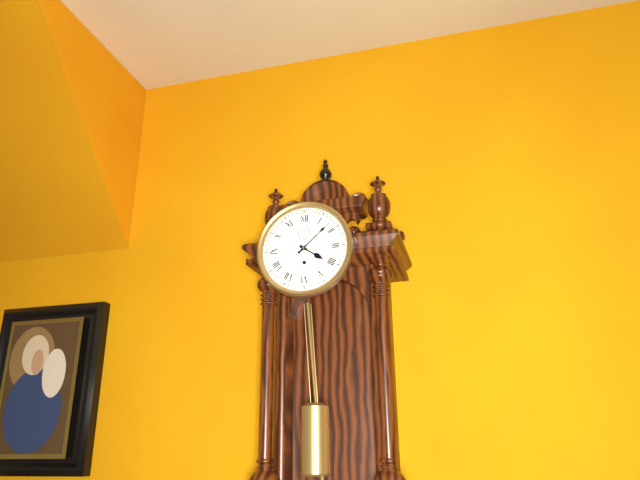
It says 4:08
